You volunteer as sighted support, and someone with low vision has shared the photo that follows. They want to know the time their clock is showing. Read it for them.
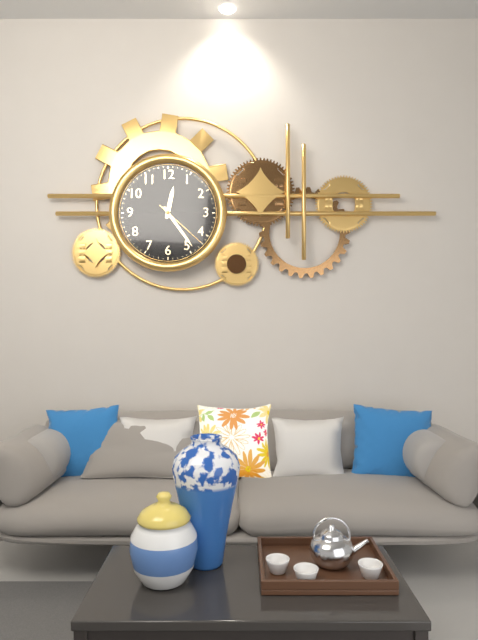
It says 12:24:22
